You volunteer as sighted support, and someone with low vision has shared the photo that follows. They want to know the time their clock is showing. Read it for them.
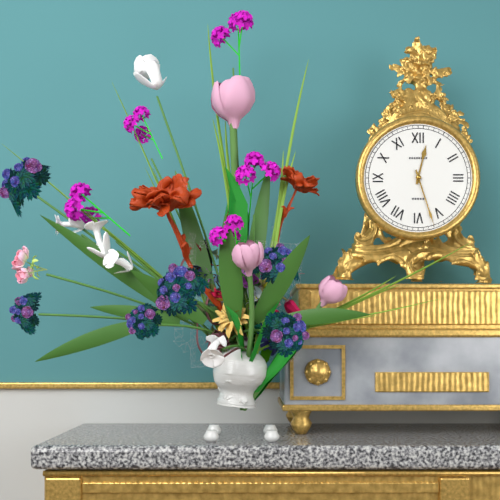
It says 12:27
